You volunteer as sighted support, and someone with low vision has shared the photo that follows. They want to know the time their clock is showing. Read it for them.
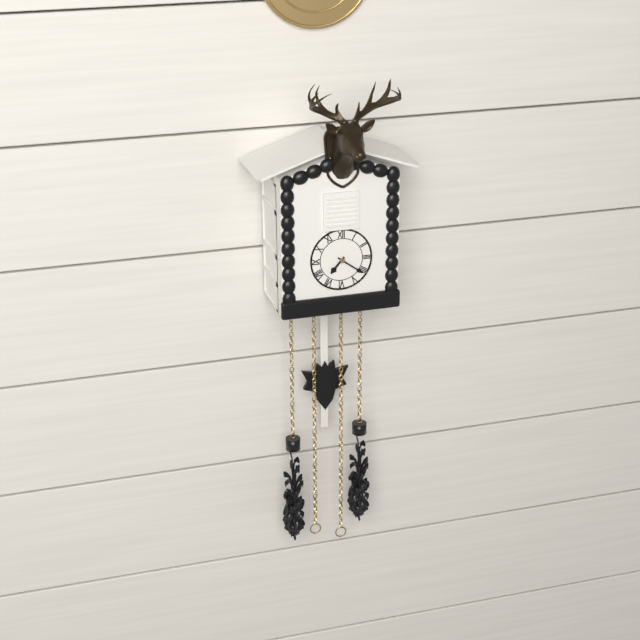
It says 7:21
